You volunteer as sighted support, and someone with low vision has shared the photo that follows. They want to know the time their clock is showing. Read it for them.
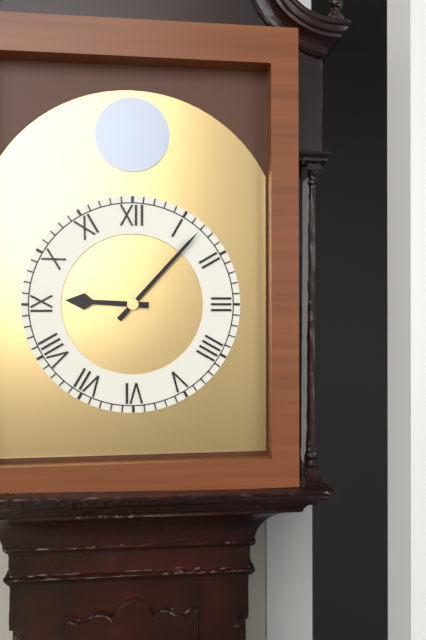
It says 9:07
